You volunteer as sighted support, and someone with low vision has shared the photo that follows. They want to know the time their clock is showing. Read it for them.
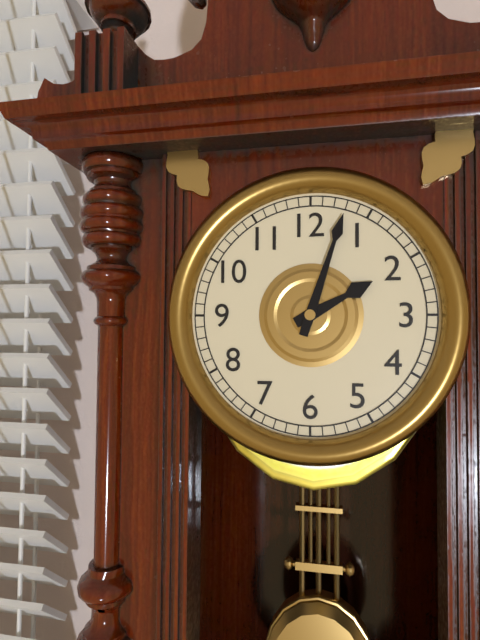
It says 2:03
